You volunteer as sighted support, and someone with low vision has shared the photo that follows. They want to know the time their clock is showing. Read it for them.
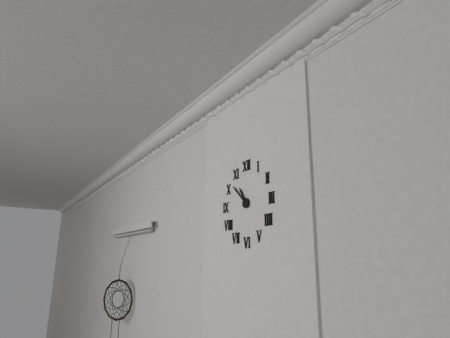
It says 10:52
